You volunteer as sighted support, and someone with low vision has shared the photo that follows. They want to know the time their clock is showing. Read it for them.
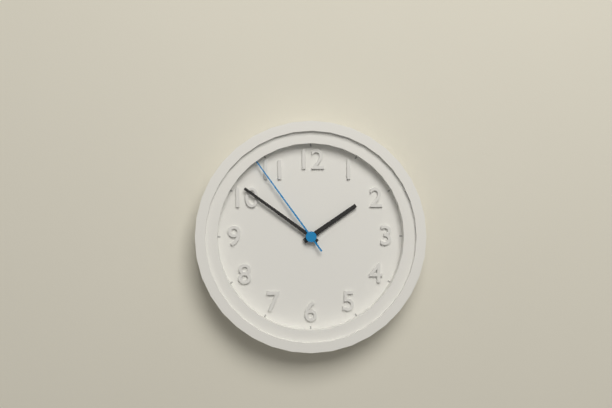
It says 1:51:54
